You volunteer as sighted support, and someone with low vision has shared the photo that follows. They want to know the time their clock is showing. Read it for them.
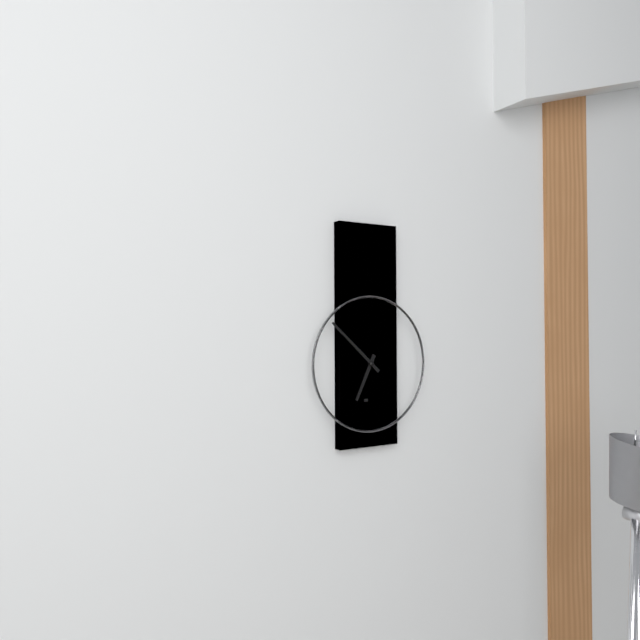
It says 6:52
